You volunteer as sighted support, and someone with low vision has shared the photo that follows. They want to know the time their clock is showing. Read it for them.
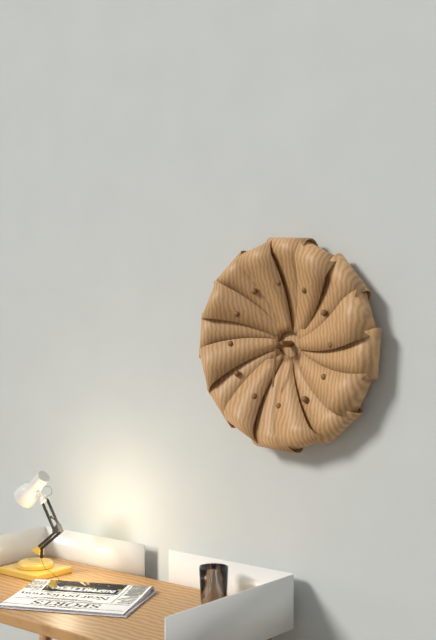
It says 8:31
